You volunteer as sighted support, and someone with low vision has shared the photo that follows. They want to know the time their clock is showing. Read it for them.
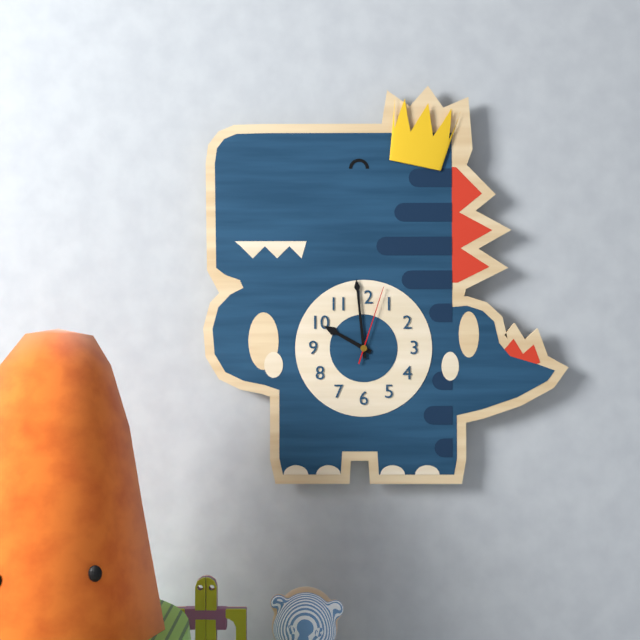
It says 9:59:03
